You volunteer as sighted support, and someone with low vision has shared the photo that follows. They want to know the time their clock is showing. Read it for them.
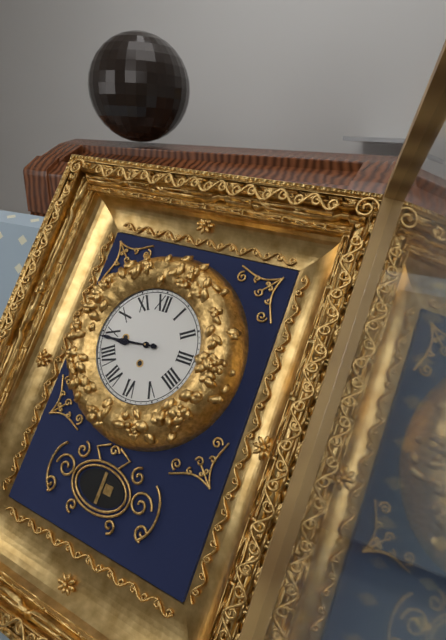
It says 8:44
